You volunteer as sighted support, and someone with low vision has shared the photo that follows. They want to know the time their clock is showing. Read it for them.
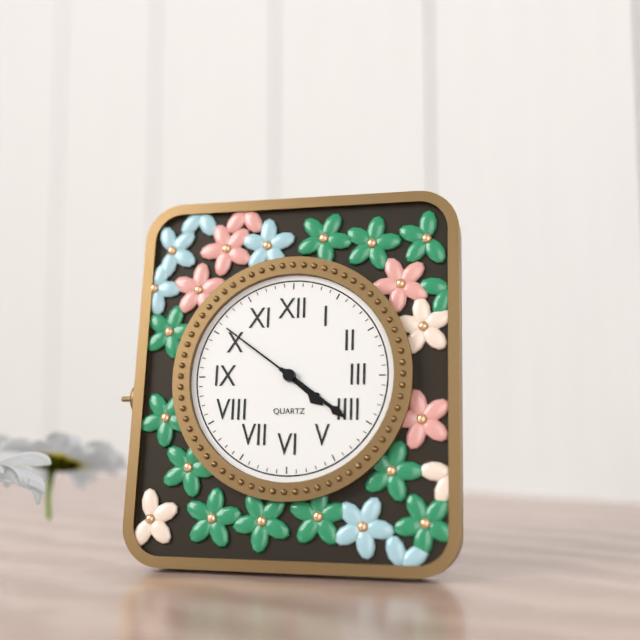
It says 4:21:51
